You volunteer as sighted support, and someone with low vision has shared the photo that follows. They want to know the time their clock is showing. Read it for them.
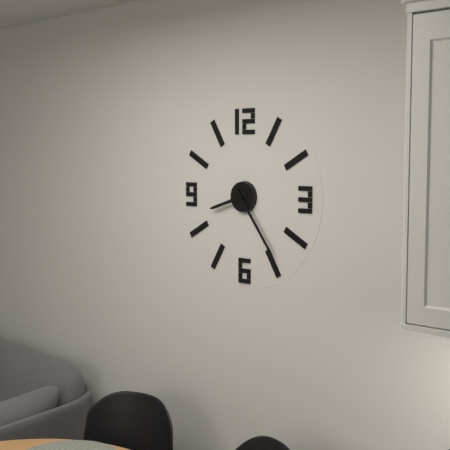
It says 8:24
